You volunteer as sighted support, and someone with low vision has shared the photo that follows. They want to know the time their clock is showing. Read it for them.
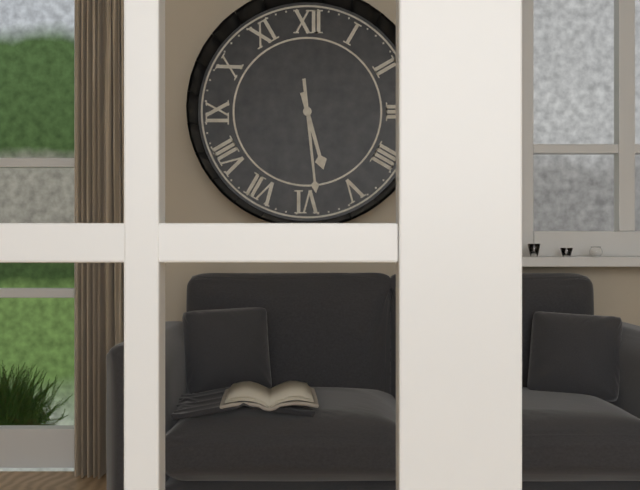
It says 5:29
